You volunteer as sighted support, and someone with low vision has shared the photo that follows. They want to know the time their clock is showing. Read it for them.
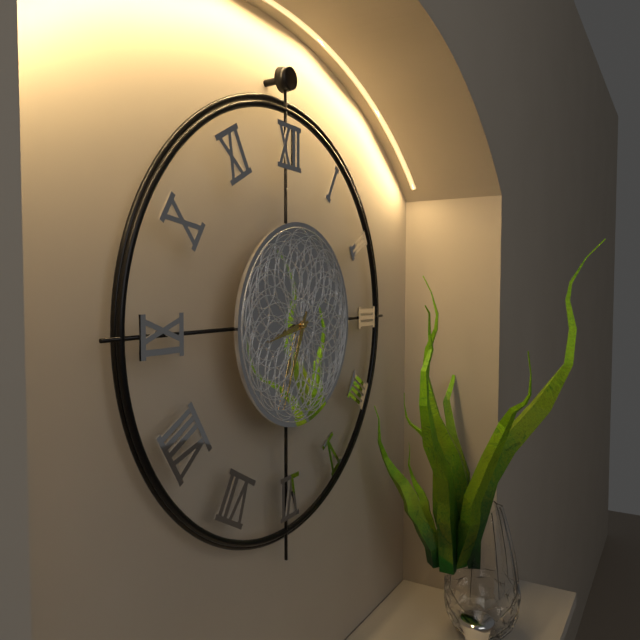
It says 8:34
